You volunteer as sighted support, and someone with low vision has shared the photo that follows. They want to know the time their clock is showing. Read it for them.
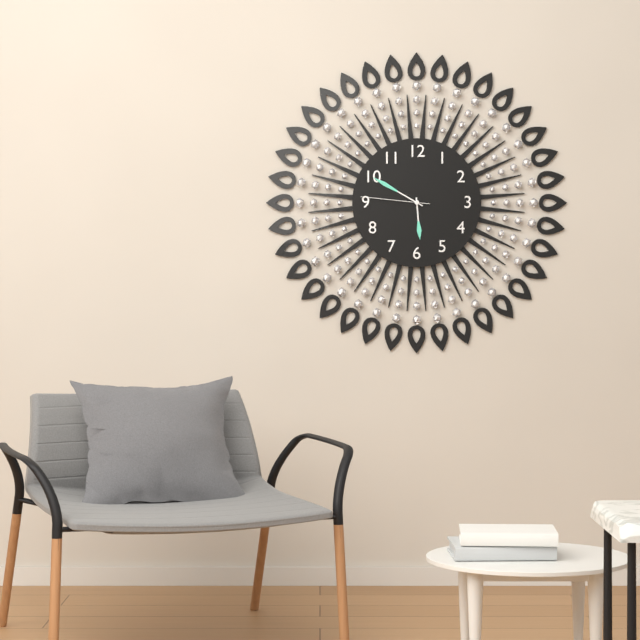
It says 5:50:46
